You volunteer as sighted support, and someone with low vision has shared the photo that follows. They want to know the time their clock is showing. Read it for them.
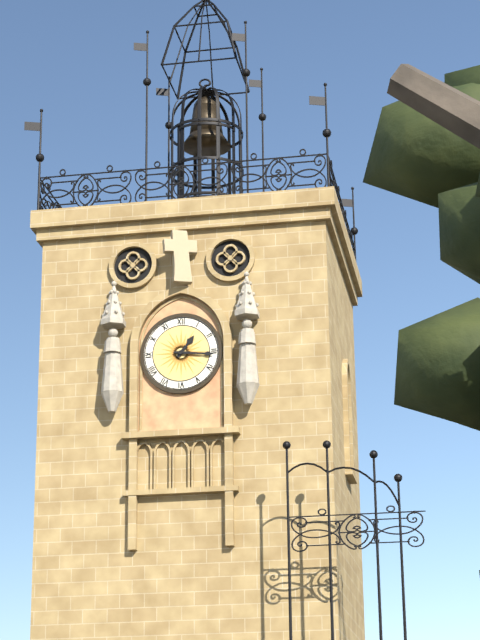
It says 1:16
